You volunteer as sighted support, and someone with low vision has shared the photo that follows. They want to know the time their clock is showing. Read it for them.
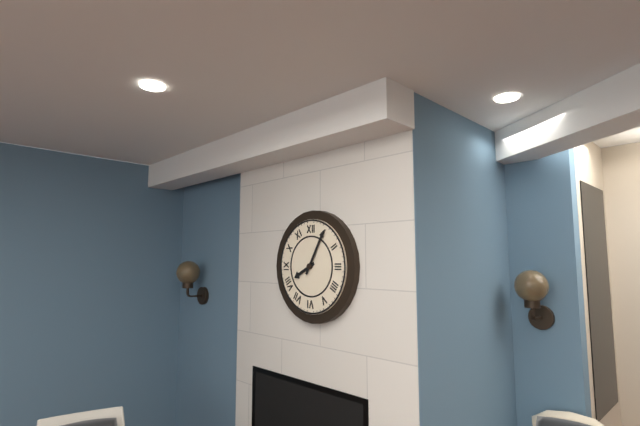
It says 8:05
